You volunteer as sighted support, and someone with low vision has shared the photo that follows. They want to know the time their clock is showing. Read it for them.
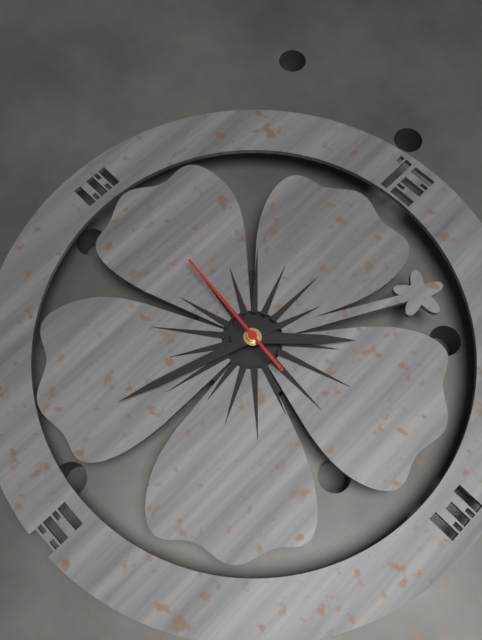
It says 1:33:46
